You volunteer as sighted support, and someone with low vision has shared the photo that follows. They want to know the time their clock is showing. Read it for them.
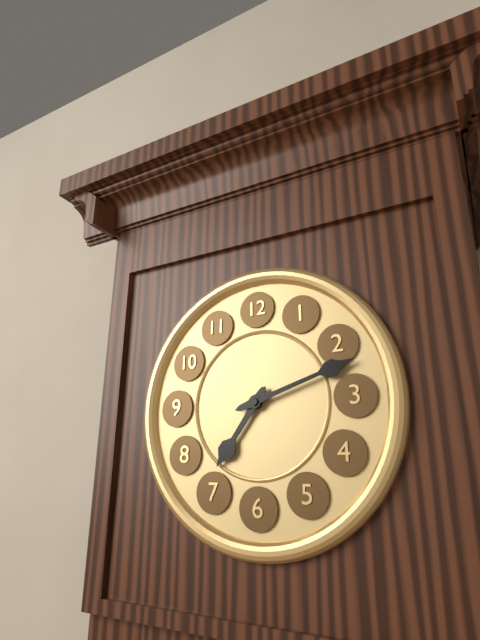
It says 7:12
